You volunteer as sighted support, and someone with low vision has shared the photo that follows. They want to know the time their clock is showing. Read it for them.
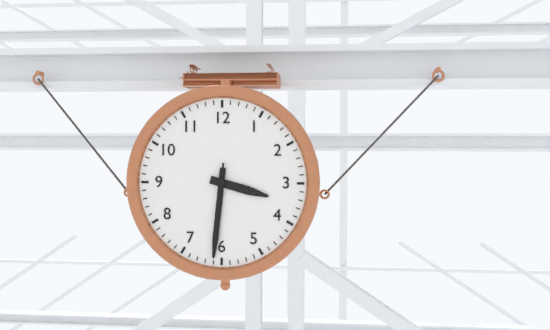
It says 3:31:31
